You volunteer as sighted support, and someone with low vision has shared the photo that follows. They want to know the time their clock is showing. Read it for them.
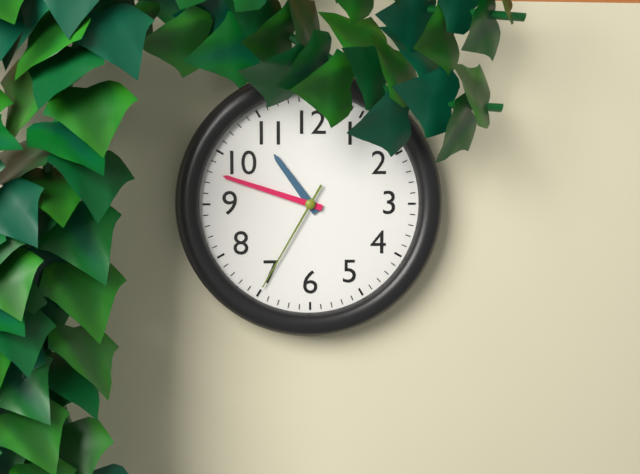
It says 10:48:35
